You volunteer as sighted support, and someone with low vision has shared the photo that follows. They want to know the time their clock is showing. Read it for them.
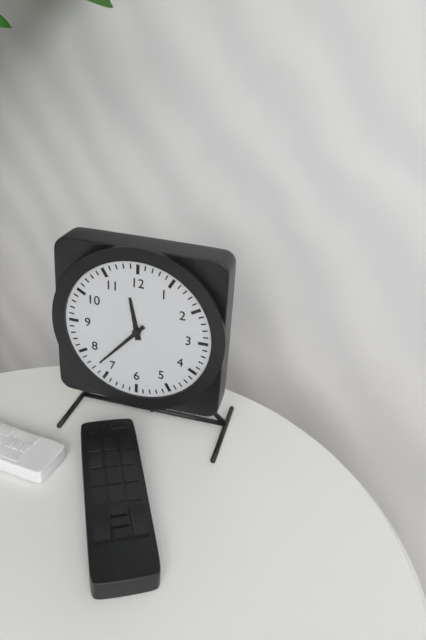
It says 11:37
